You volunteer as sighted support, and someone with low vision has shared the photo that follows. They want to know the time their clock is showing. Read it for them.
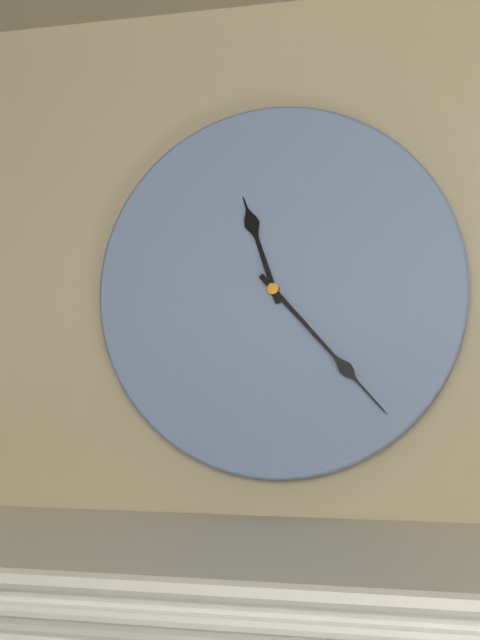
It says 11:23
